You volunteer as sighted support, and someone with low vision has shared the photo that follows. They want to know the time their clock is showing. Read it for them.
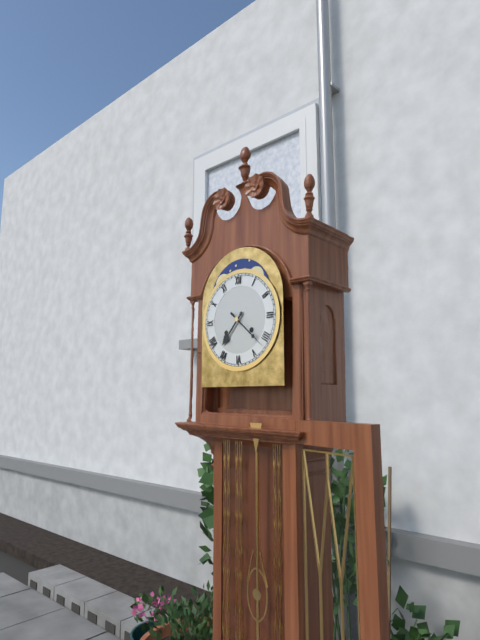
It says 7:22
